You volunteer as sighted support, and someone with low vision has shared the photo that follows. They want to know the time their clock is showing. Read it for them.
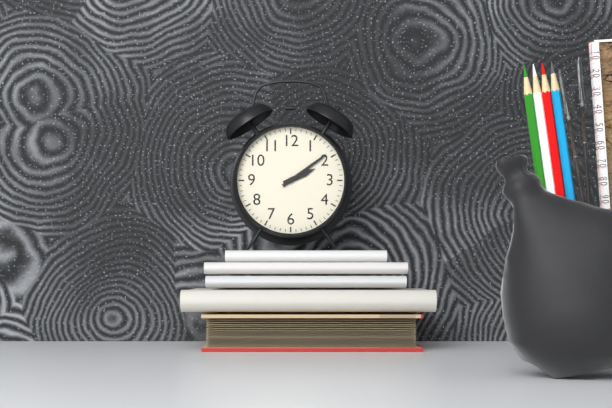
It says 2:09
